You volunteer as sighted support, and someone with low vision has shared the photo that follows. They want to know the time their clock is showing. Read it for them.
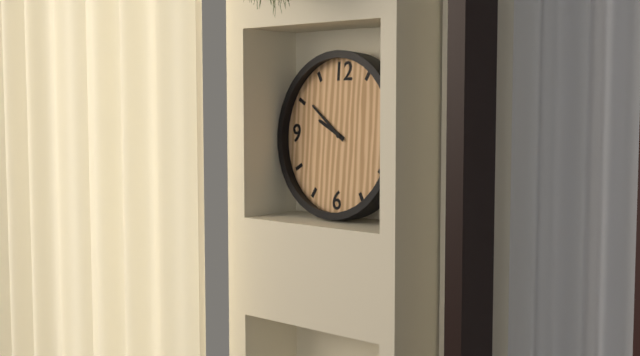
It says 9:51
